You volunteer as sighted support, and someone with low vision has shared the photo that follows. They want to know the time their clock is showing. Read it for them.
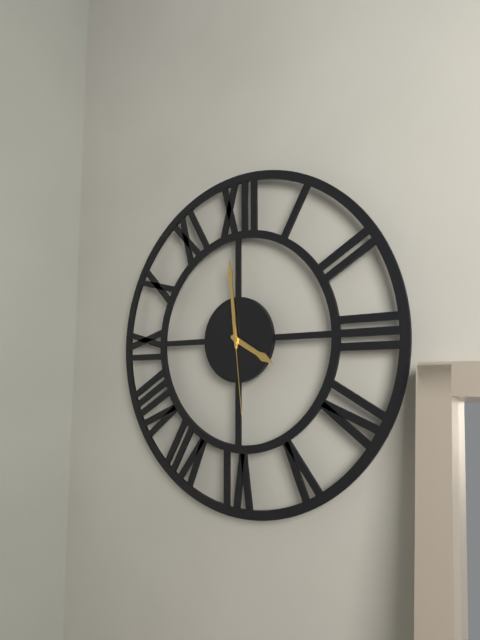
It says 3:59:29
